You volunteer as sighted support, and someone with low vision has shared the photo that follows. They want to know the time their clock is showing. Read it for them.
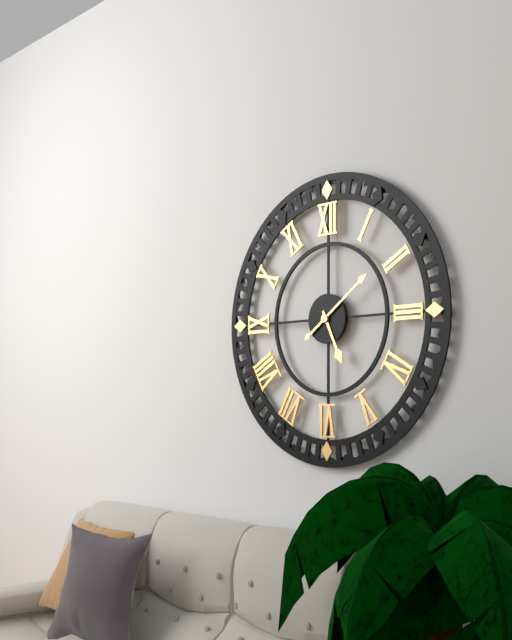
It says 5:09
